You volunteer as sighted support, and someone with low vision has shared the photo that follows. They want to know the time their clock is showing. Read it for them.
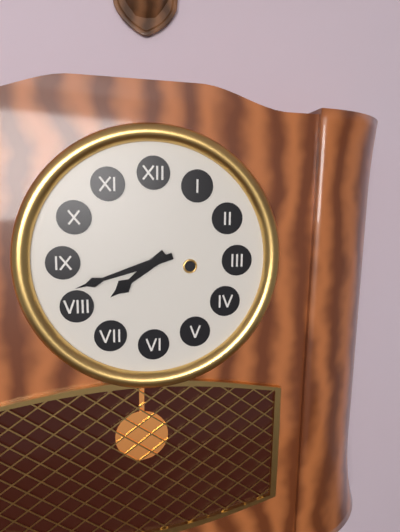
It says 7:42
